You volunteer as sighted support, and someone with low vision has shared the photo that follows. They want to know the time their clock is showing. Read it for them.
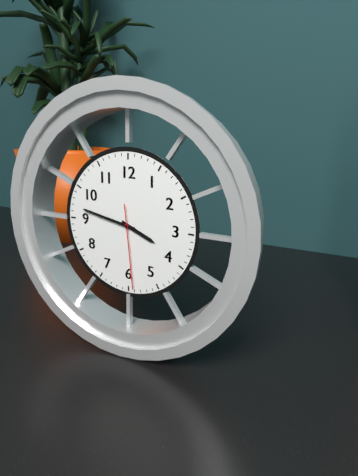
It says 3:47:29
